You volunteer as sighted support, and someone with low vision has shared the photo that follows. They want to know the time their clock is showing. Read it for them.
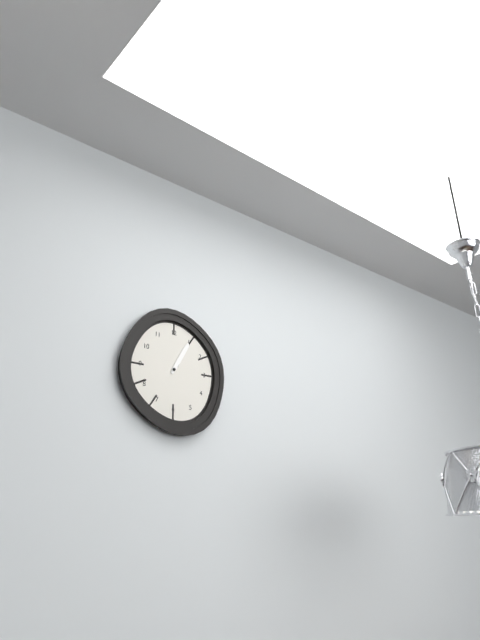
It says 1:05
